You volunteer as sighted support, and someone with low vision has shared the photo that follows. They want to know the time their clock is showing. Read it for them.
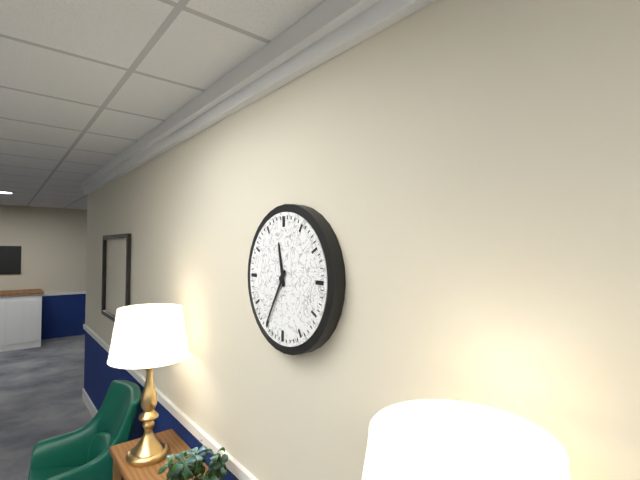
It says 11:35
